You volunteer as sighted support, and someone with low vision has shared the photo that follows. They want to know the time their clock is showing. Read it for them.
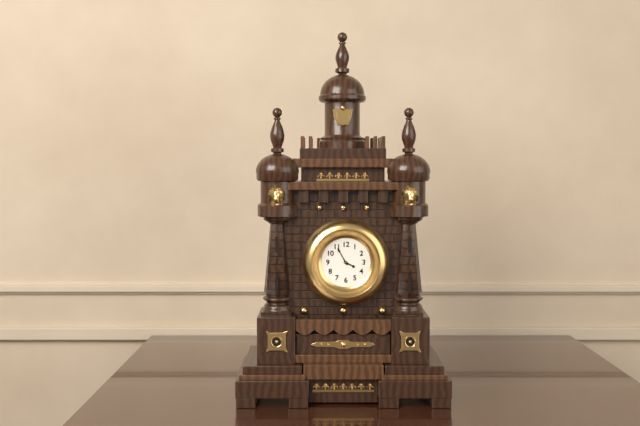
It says 3:55
